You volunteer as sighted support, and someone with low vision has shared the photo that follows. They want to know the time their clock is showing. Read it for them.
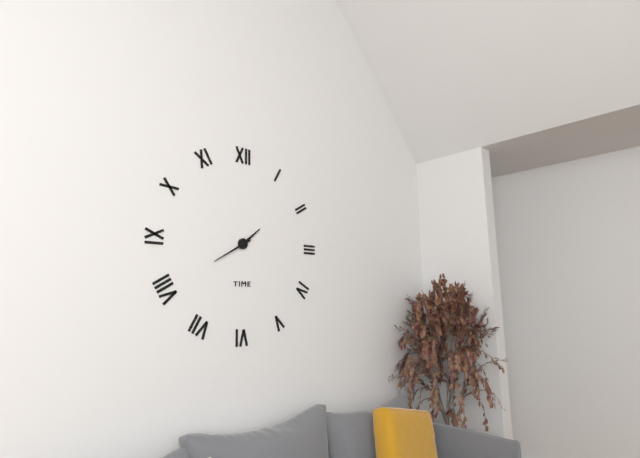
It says 1:40
